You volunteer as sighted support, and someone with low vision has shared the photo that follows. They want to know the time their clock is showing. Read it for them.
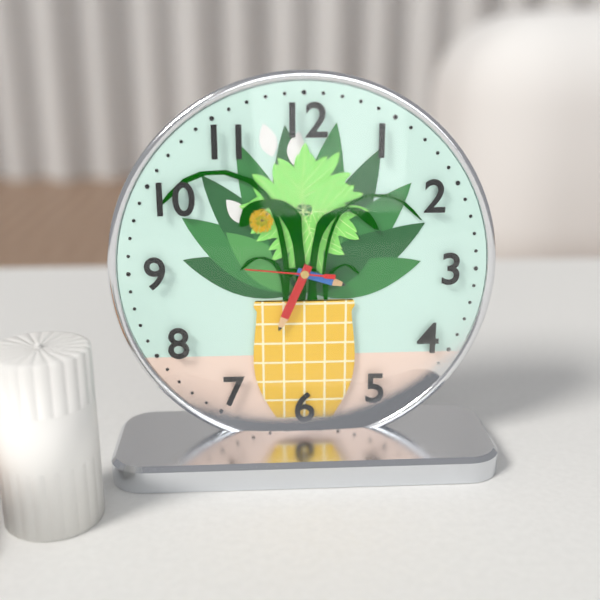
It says 3:34:46
